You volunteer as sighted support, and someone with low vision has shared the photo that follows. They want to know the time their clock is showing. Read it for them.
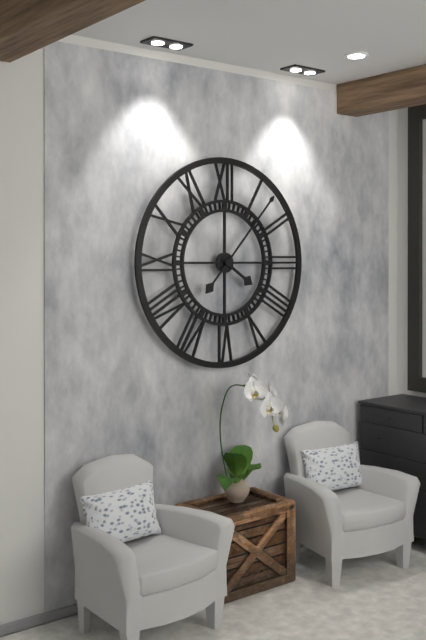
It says 4:07
